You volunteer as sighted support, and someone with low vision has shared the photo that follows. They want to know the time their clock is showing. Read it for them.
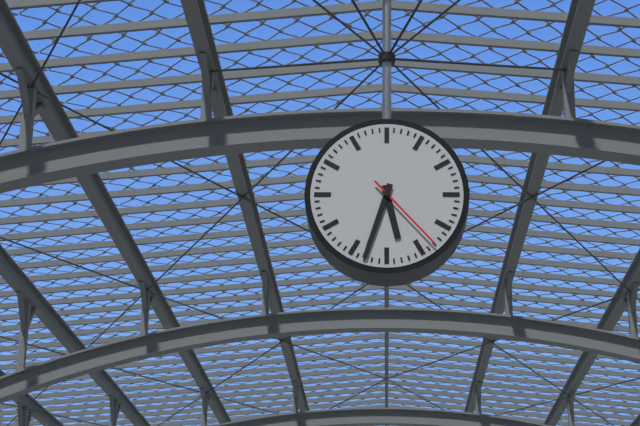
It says 5:33:23
